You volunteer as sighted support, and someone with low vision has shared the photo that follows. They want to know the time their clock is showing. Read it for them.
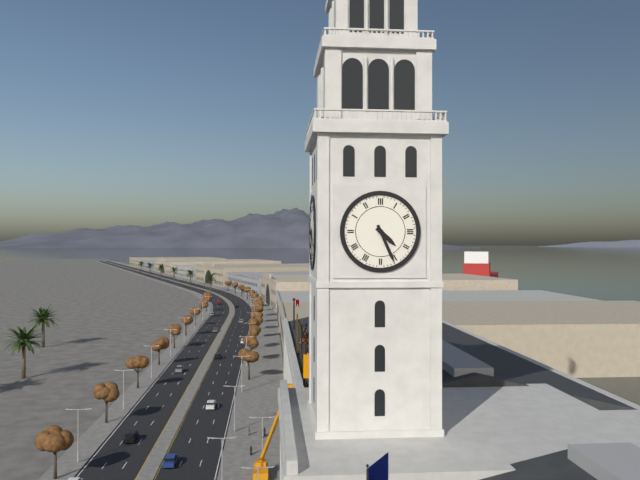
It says 4:26
